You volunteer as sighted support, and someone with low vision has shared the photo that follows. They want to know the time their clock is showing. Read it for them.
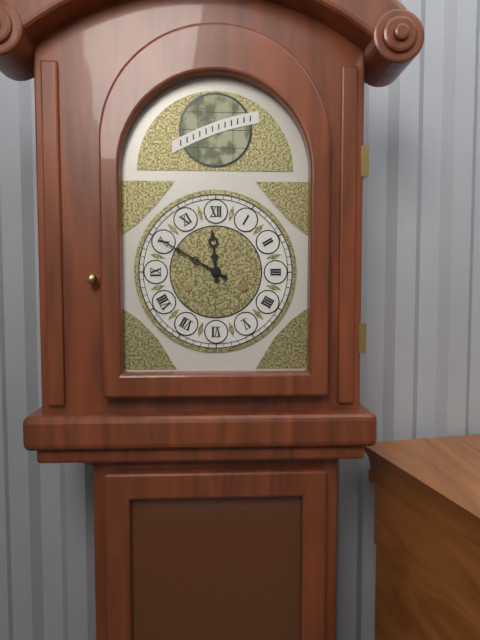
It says 11:50
